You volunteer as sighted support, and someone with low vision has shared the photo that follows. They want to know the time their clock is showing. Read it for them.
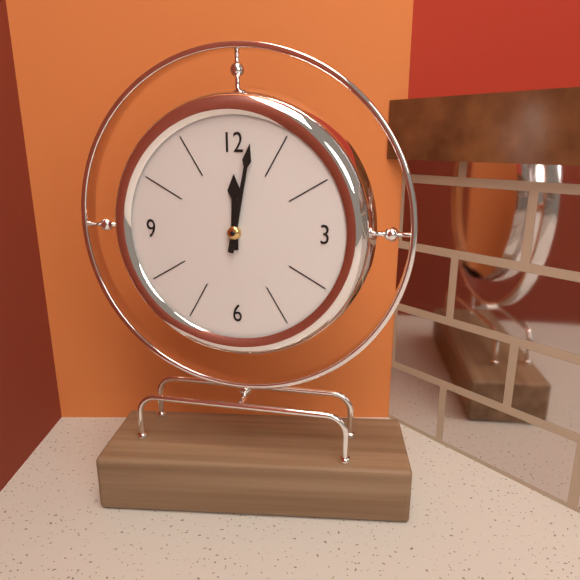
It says 12:02
